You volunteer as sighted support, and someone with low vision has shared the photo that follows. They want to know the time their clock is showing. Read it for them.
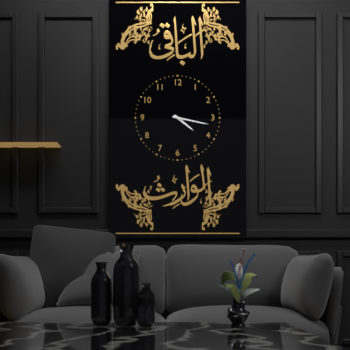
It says 4:17
